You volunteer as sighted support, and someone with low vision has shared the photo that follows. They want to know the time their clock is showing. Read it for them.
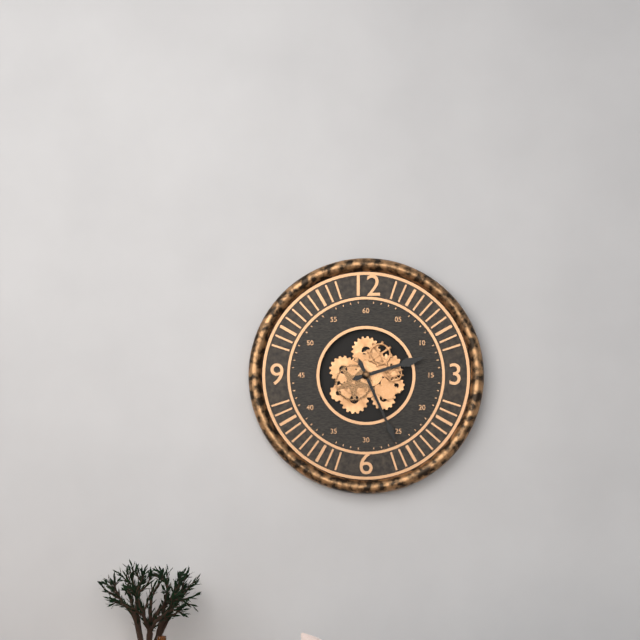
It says 2:26
